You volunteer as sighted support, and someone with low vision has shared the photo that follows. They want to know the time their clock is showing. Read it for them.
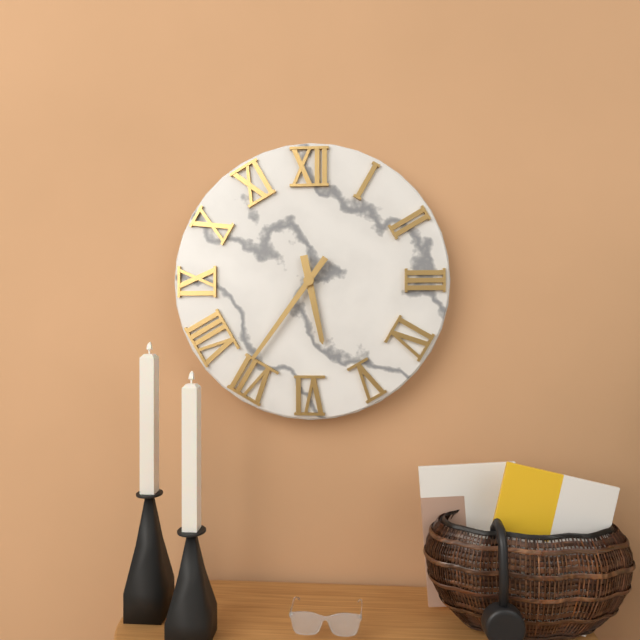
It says 5:36
